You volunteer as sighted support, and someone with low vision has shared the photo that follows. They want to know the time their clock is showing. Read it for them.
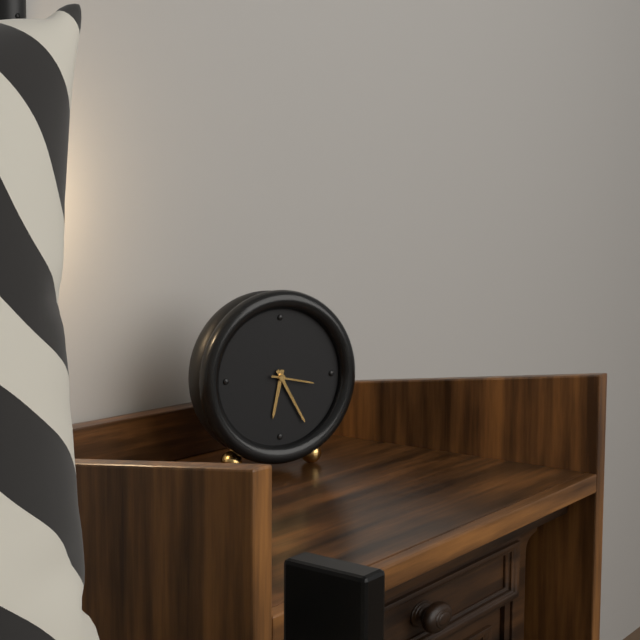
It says 6:25
